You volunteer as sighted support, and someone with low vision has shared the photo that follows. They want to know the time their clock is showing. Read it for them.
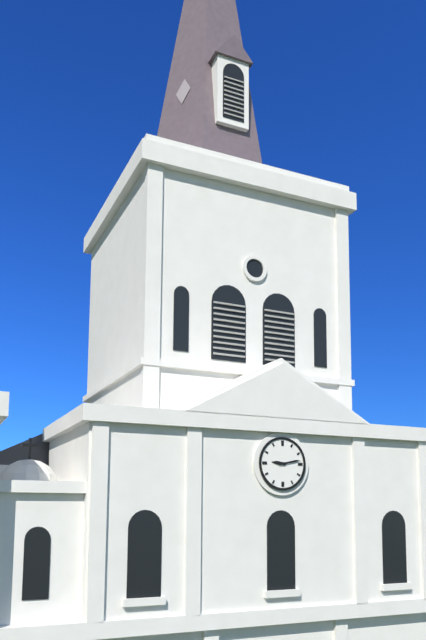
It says 9:13
